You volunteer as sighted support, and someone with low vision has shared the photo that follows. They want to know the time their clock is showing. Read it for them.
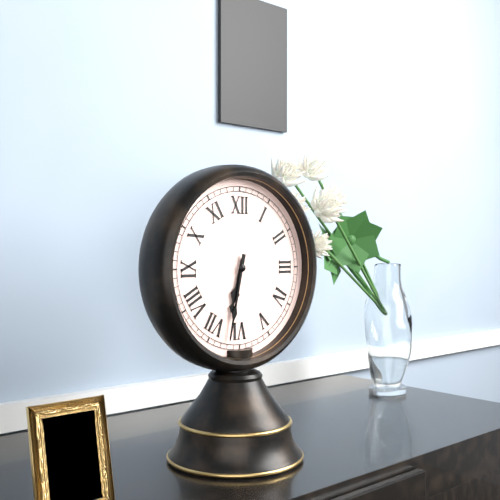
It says 6:32
